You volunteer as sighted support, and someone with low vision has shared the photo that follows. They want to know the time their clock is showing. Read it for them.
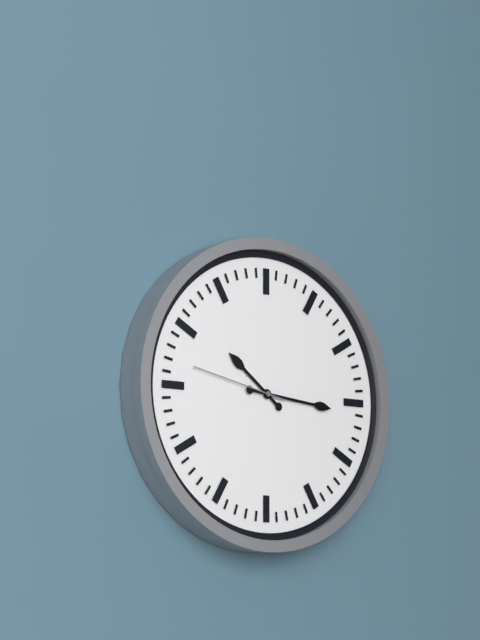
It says 10:16:47
